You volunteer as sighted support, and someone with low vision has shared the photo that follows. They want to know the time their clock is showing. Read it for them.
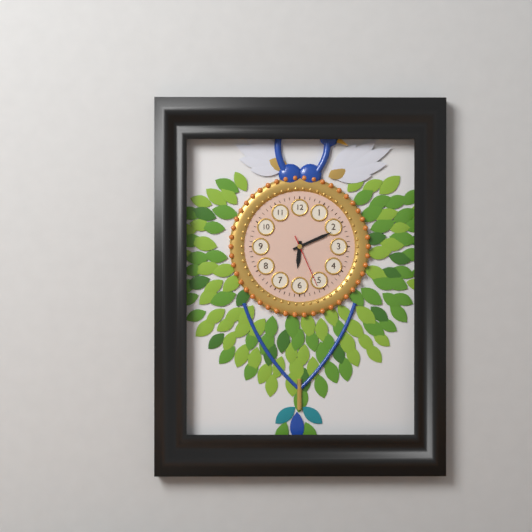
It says 6:11:26
